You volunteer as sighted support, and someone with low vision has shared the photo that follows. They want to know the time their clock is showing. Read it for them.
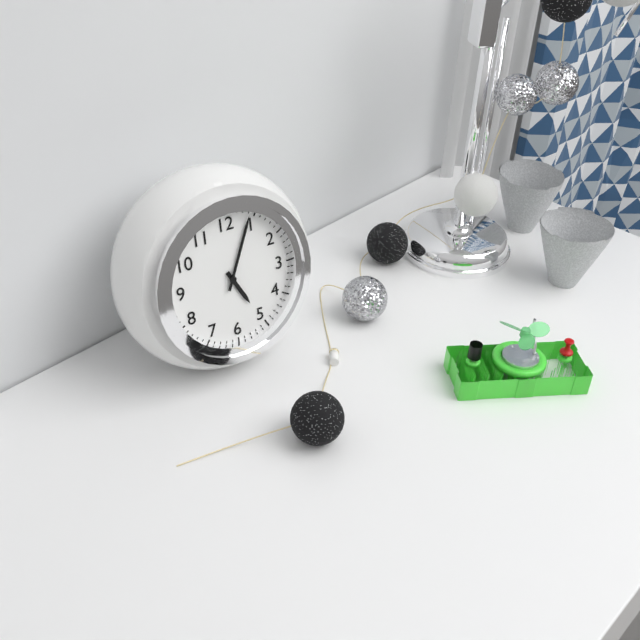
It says 5:04
